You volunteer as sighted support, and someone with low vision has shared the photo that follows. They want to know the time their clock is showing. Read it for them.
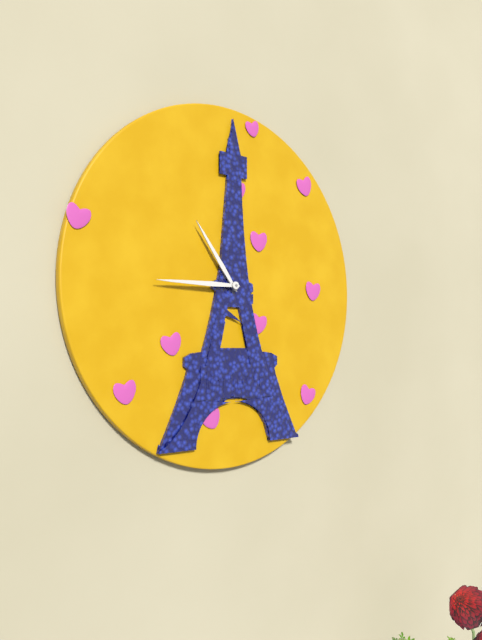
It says 10:45
